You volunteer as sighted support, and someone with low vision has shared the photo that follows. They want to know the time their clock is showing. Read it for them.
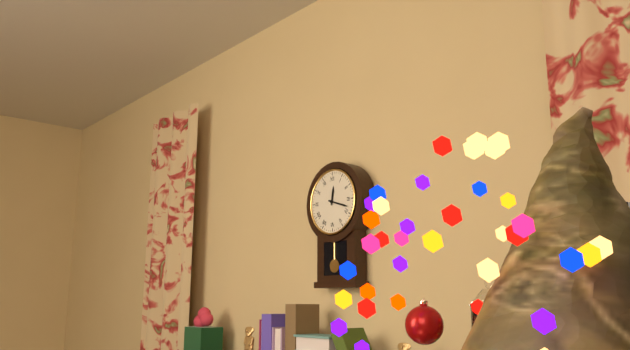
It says 12:18
